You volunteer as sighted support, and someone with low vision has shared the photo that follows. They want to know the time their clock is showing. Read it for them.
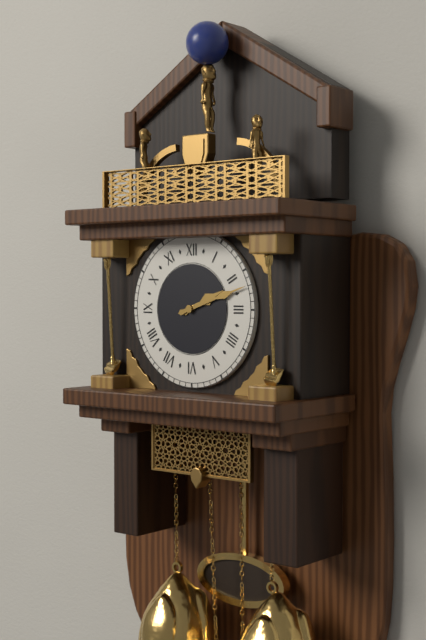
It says 2:12
